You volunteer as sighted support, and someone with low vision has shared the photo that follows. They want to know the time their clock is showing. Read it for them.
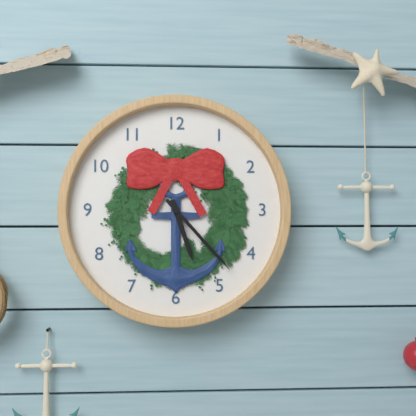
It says 5:23
